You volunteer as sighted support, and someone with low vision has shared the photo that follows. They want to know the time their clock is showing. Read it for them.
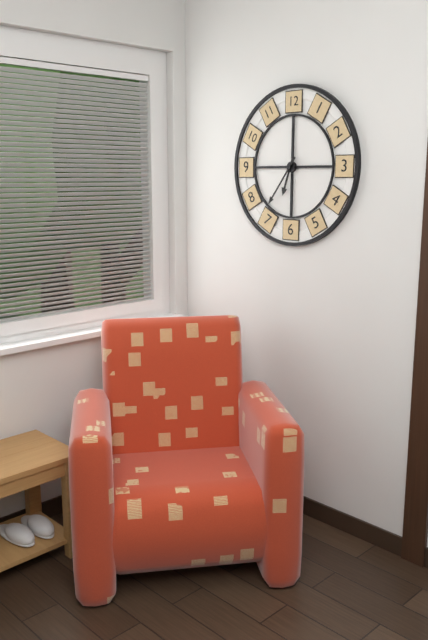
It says 6:36
